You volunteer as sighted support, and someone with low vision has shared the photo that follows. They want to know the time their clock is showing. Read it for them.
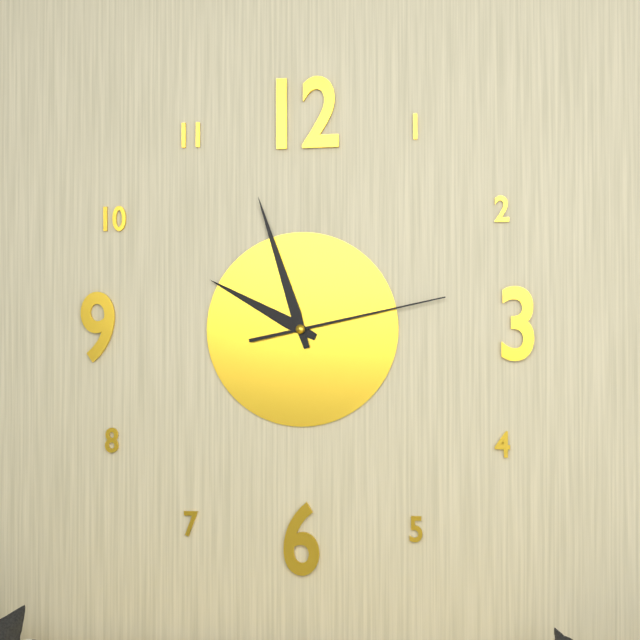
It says 9:57:13
